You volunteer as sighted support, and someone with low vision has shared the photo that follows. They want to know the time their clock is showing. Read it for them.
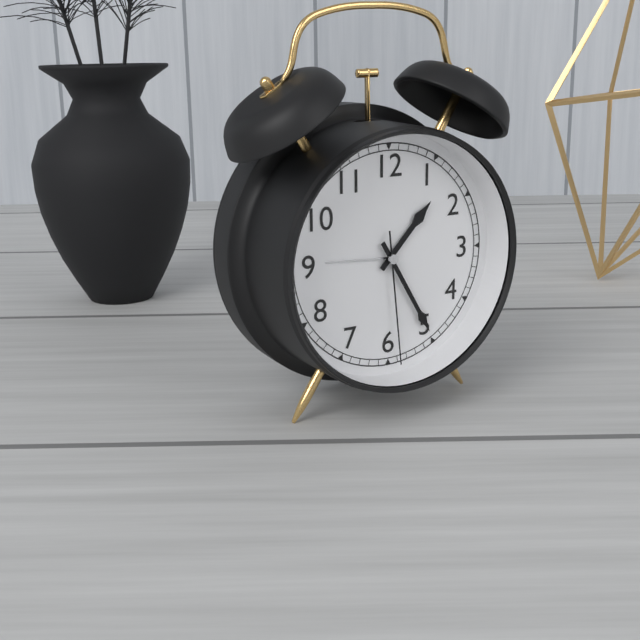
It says 1:25:29
